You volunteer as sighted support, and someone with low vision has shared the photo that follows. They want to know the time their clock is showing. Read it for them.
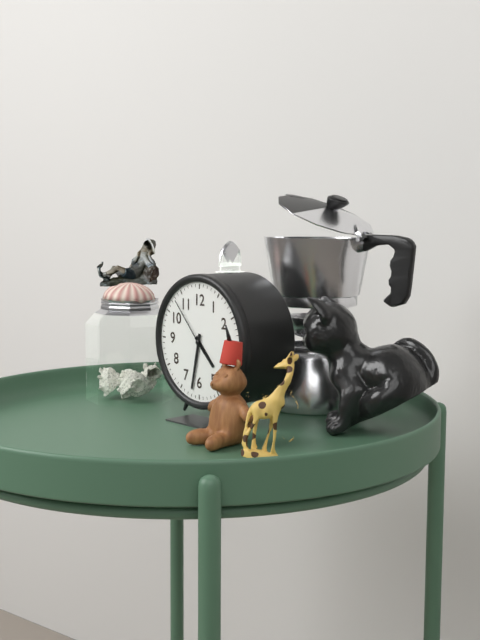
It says 4:32:53
